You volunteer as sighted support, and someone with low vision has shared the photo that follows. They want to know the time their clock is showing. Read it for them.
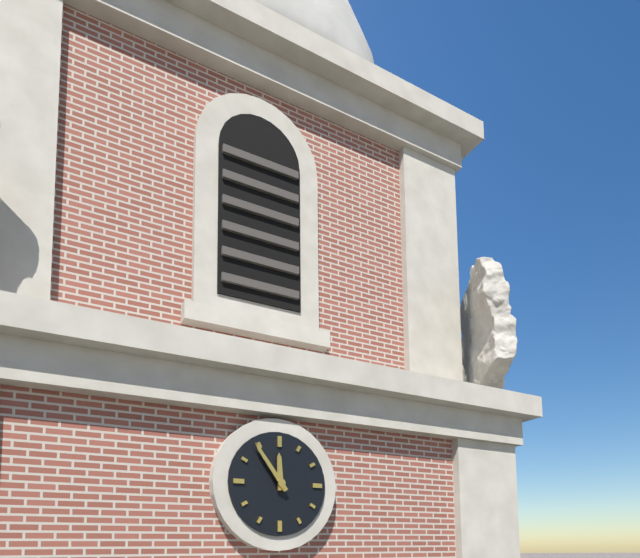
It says 11:54
